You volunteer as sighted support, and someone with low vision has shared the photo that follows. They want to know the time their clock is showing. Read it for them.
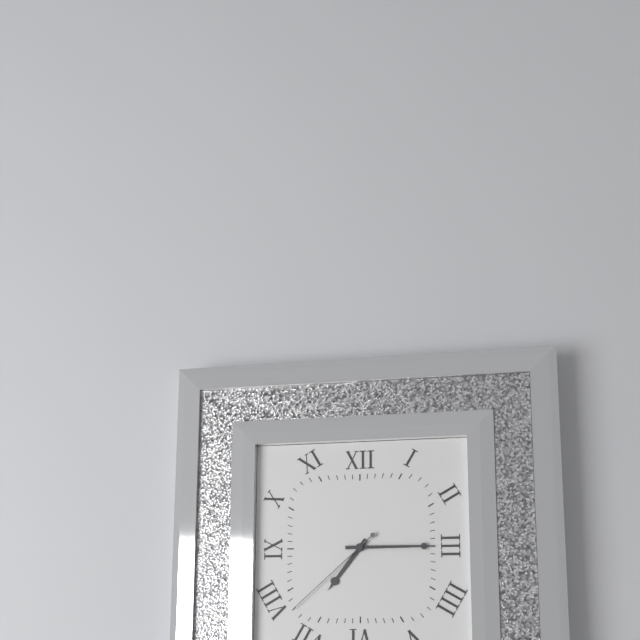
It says 7:15:38
